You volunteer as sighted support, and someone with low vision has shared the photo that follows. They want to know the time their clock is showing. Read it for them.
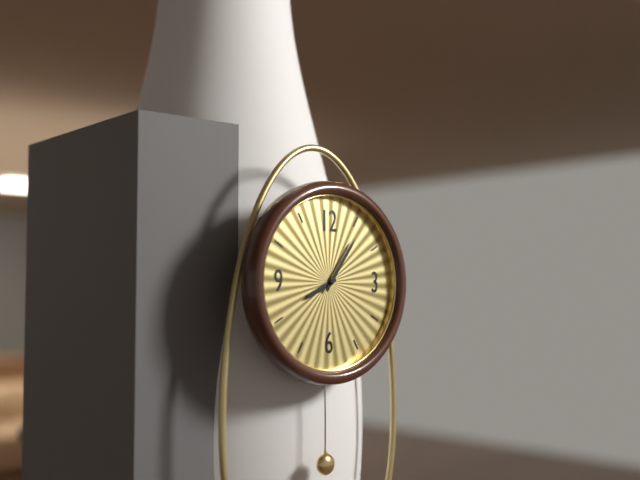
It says 8:06
